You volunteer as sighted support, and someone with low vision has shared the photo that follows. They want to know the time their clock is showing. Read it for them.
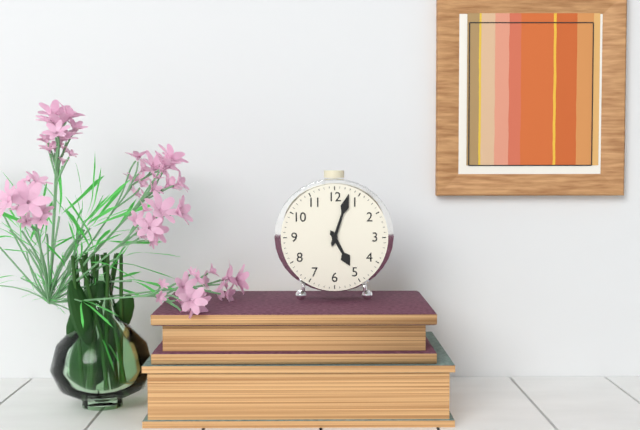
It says 5:03
